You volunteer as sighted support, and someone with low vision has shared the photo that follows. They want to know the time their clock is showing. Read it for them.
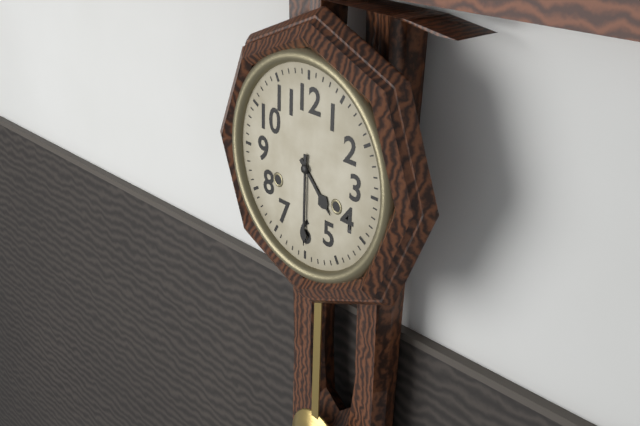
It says 4:30
